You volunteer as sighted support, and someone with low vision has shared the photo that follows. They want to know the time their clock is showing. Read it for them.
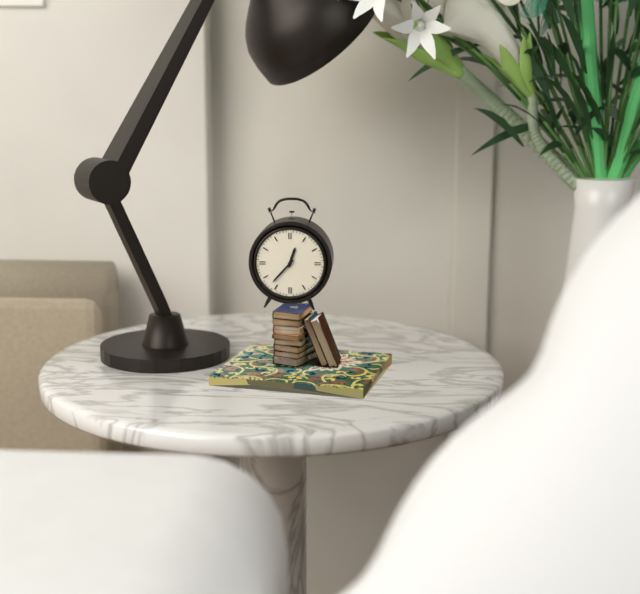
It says 12:37
